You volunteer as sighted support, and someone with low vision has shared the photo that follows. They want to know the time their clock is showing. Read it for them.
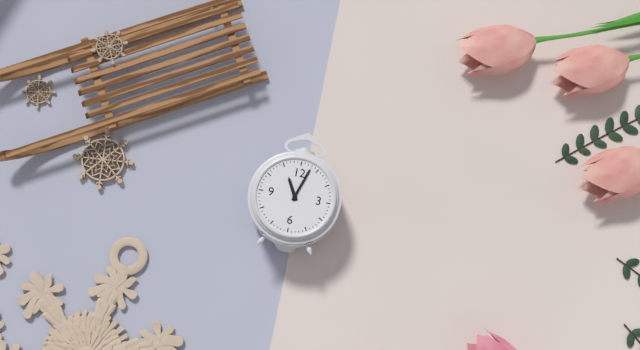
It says 11:03
